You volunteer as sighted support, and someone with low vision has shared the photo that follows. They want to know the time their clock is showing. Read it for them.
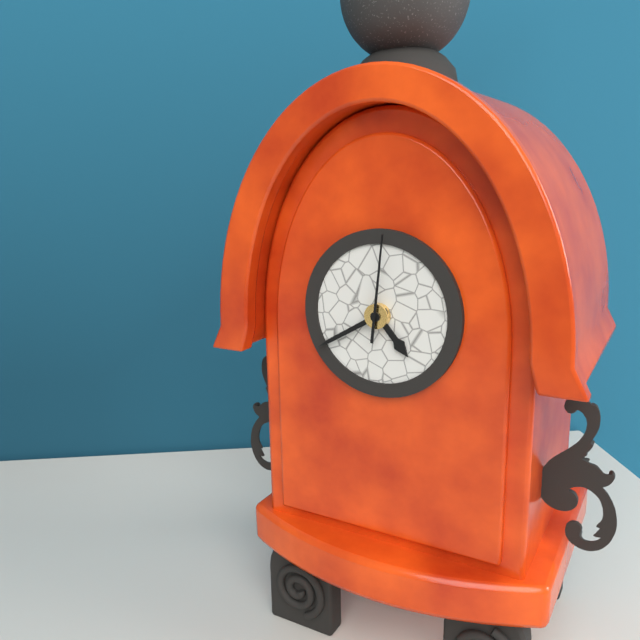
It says 4:40:01
